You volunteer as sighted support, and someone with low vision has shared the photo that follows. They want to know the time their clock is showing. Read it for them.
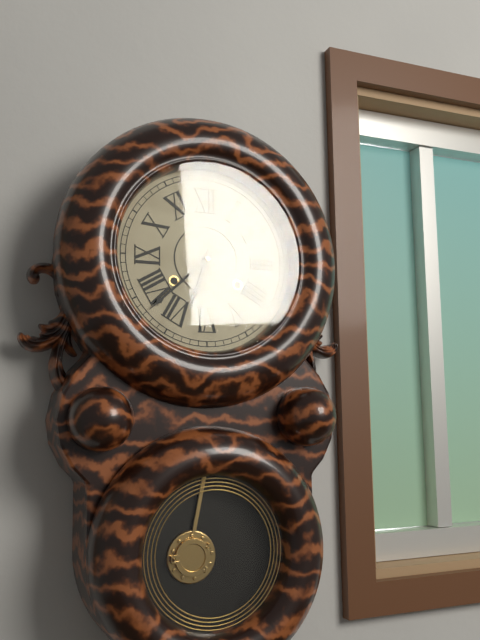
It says 6:38
